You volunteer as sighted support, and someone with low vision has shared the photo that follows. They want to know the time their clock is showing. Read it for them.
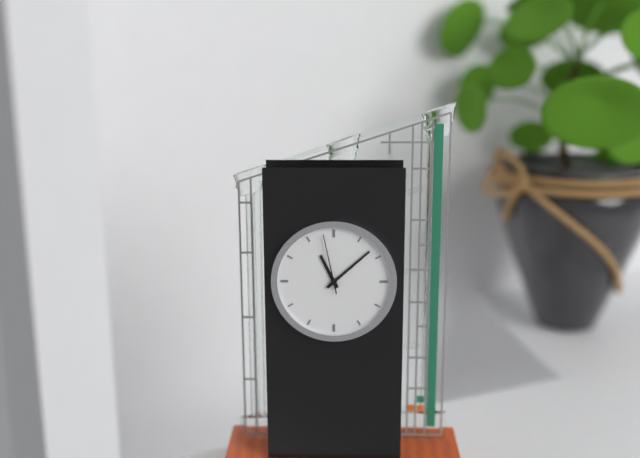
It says 11:08:58
